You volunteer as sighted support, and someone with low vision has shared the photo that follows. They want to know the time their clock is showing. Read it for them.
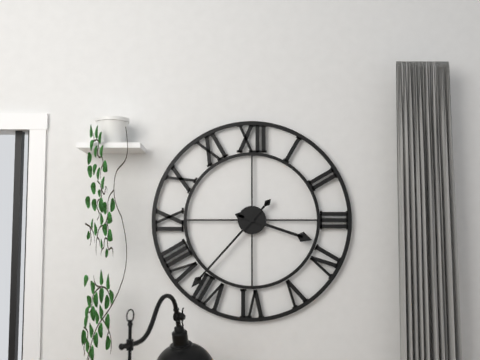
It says 3:37
